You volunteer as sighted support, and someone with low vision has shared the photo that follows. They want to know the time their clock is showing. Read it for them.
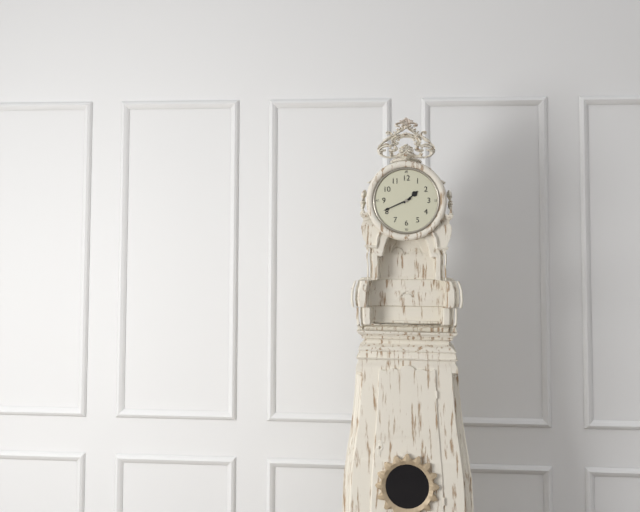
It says 1:41
